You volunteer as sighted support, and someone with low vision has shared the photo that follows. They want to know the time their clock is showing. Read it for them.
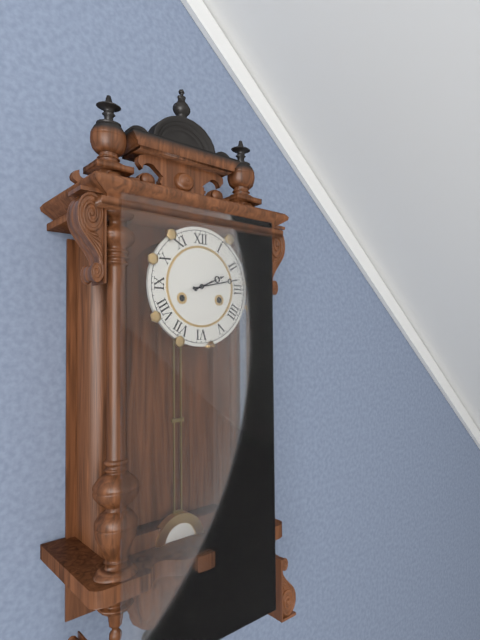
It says 2:13
